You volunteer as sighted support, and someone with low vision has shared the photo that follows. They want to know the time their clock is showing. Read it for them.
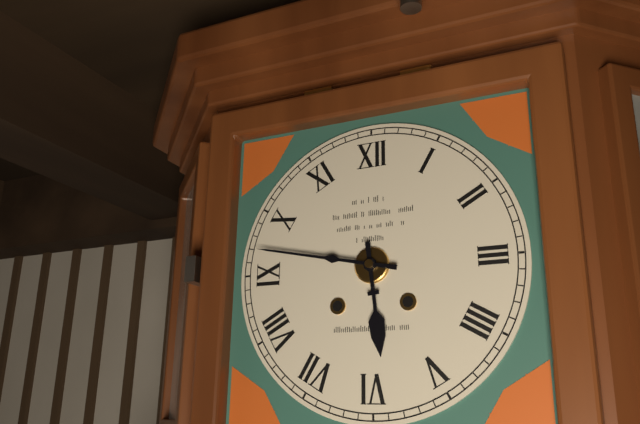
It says 5:47
